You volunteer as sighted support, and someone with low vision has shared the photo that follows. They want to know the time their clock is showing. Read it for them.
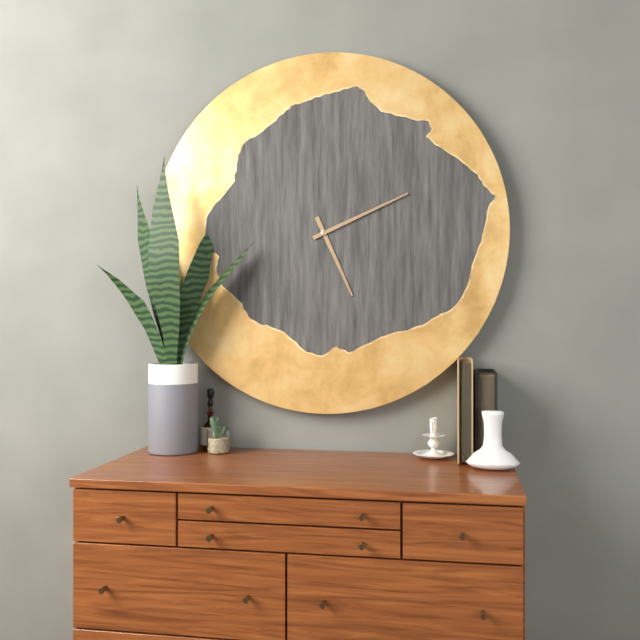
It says 5:11
